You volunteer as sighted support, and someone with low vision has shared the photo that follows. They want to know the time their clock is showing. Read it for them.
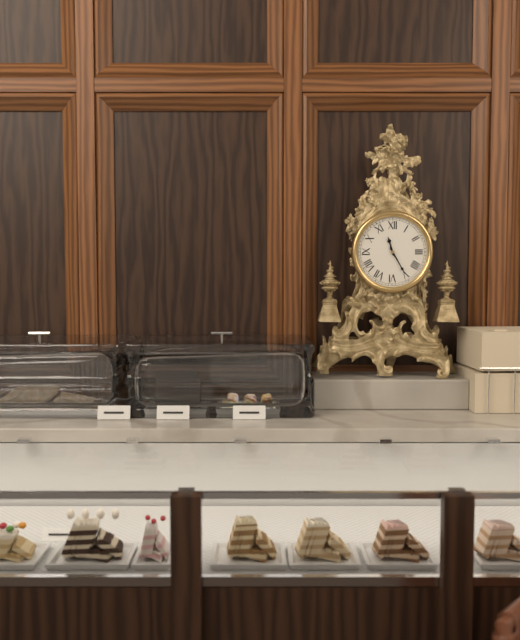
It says 11:25
